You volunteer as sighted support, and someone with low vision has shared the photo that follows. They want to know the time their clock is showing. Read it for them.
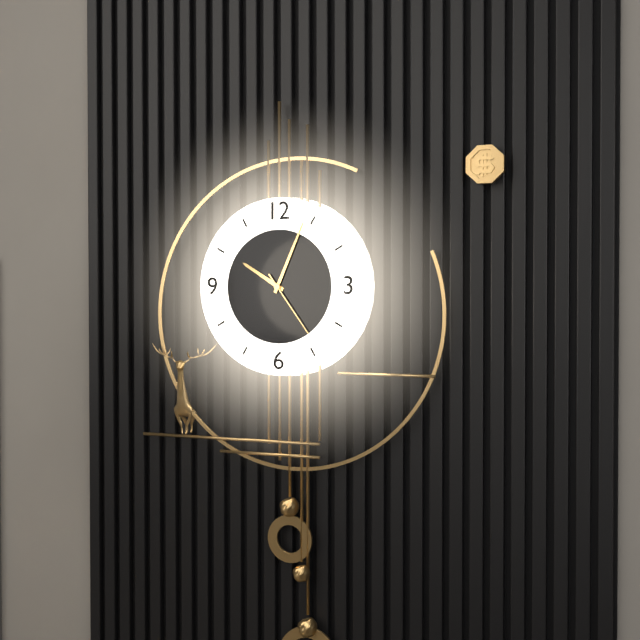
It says 10:04:24
